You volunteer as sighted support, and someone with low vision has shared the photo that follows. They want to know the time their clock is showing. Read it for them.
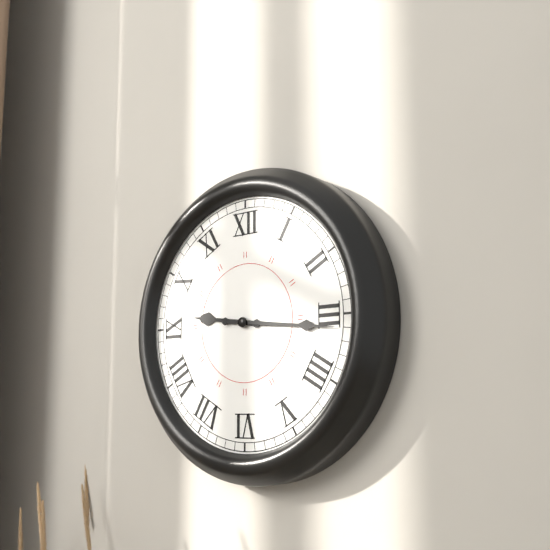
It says 9:16
